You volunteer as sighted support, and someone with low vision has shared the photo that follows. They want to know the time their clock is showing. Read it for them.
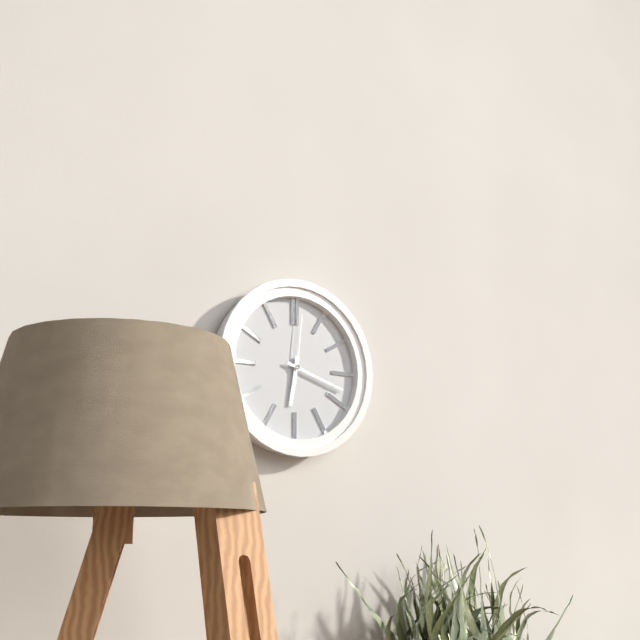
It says 6:18:01
